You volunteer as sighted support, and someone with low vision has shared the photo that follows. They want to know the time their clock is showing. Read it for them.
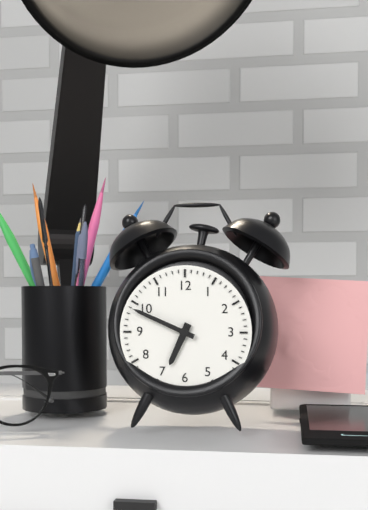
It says 6:49
